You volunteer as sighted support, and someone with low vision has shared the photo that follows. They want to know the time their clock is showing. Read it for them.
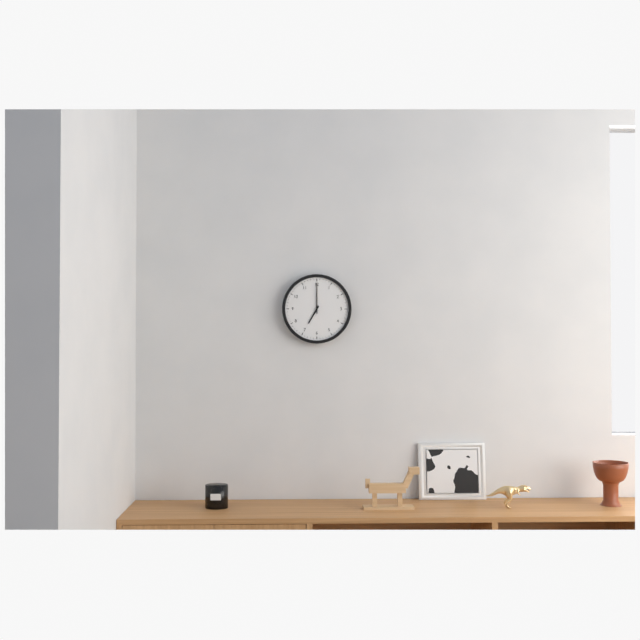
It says 7:00
